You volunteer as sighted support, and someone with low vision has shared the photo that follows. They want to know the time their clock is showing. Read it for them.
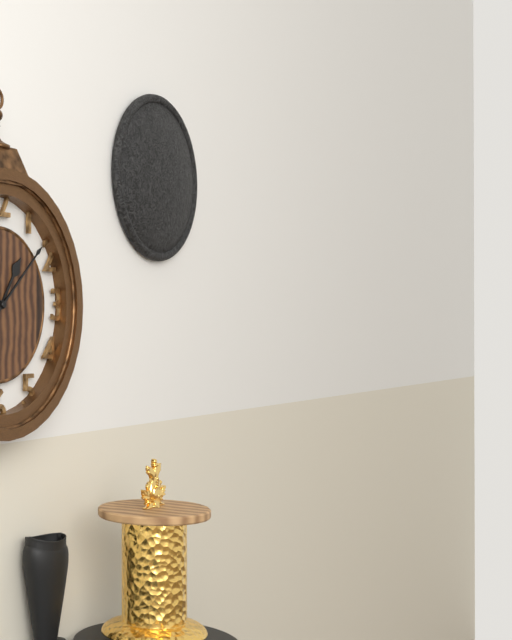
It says 1:08
